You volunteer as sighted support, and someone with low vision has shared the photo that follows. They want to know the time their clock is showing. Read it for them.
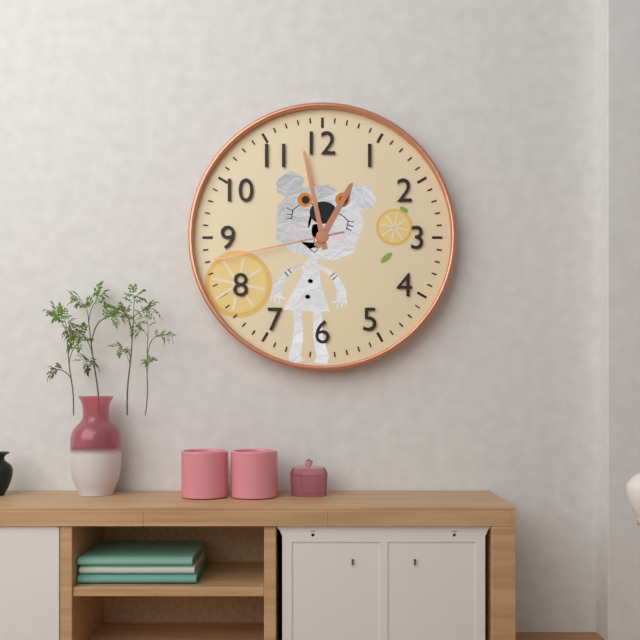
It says 12:58:43
